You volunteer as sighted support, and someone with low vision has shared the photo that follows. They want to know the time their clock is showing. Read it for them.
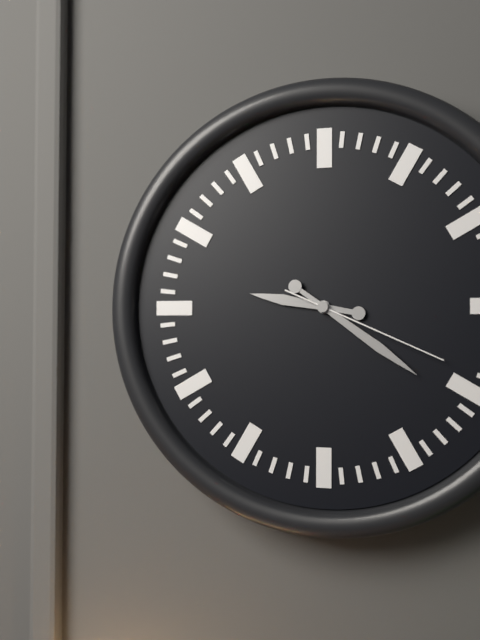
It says 9:21:19
